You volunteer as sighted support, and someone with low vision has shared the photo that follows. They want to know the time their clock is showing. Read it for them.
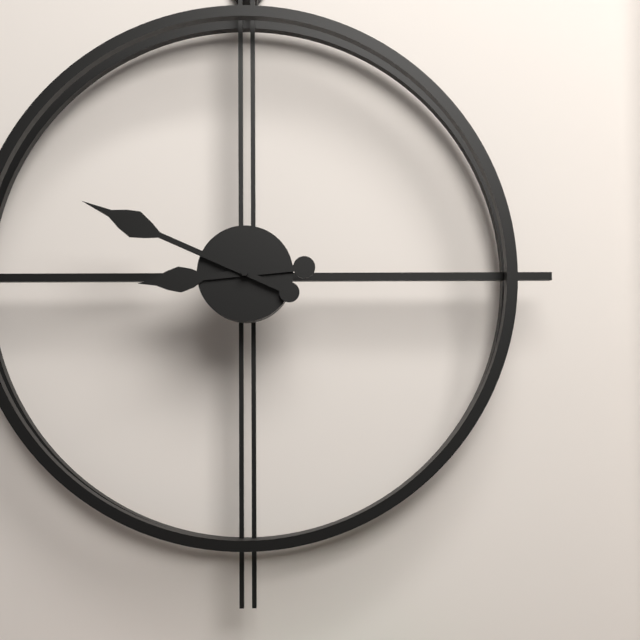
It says 8:49
